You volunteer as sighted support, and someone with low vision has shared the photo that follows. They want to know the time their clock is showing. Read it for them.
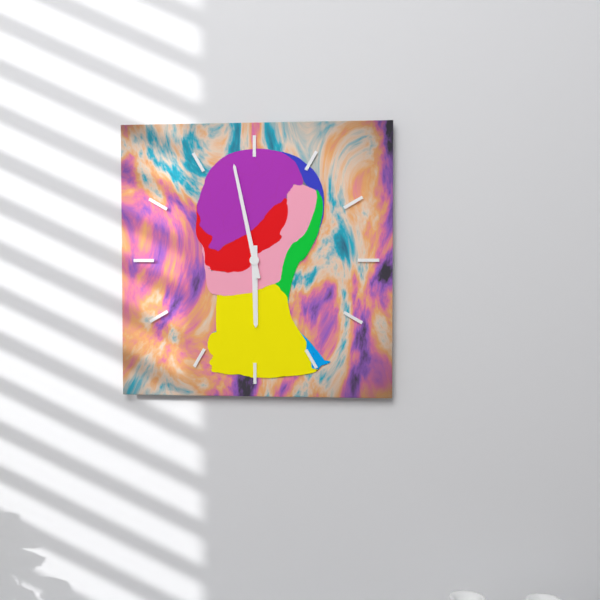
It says 5:58
